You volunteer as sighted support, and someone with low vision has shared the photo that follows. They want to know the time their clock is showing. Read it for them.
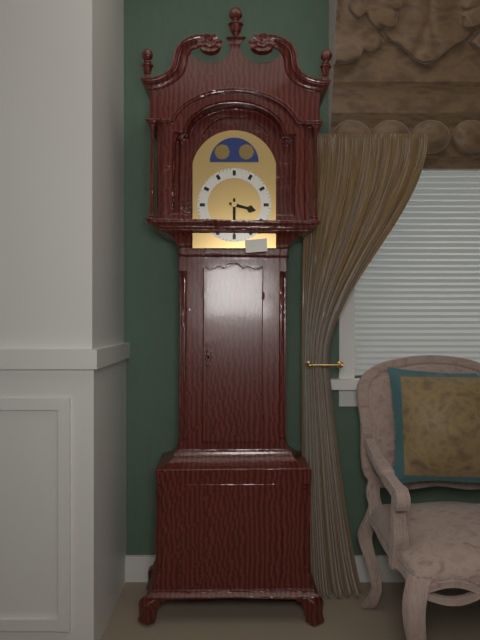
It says 3:30
